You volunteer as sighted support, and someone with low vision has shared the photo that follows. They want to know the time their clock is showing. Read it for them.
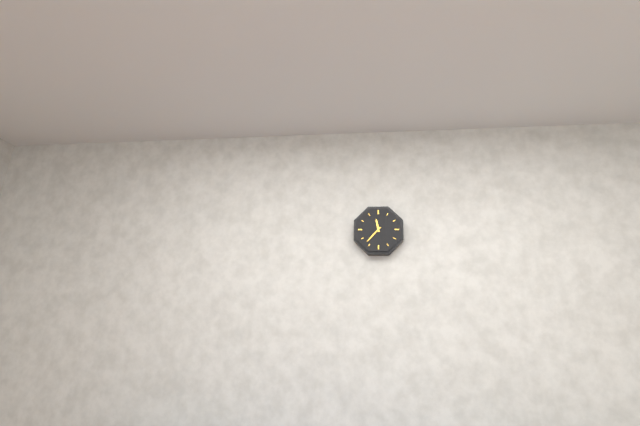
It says 11:37
